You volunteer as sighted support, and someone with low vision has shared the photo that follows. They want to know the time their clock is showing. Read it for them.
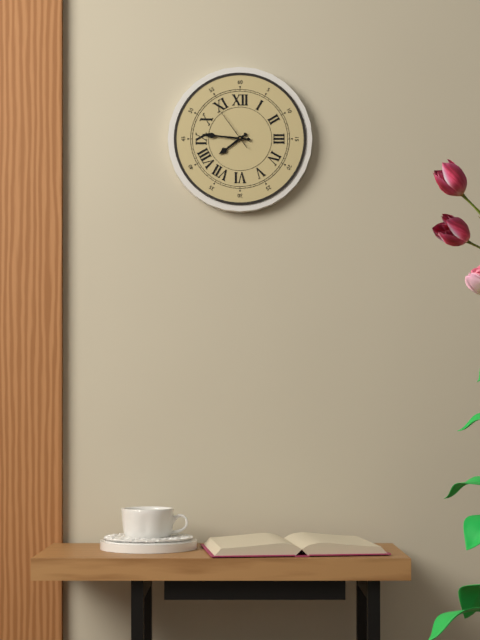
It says 7:46:54
